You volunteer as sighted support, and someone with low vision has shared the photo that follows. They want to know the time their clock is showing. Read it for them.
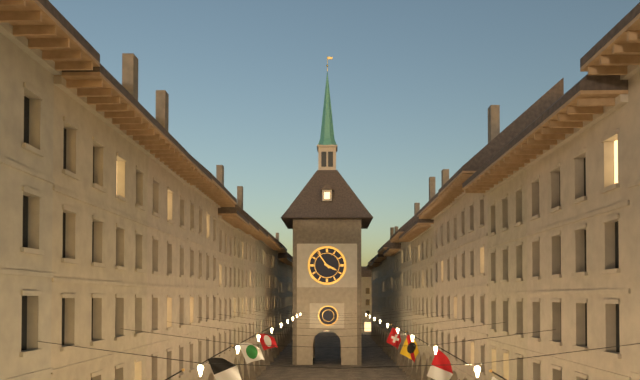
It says 3:54
